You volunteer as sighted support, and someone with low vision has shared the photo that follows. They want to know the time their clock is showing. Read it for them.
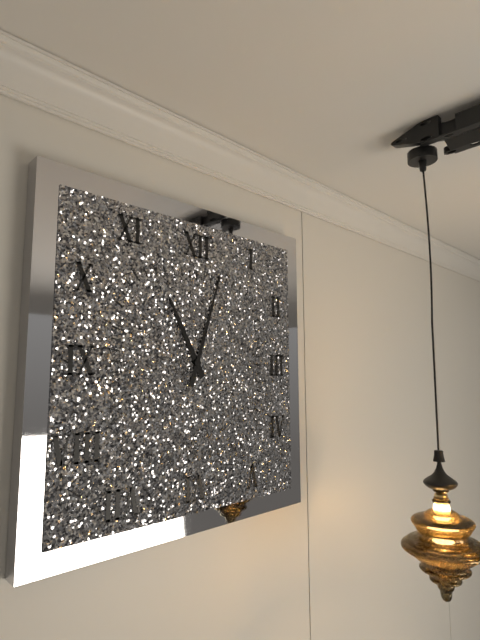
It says 11:03
